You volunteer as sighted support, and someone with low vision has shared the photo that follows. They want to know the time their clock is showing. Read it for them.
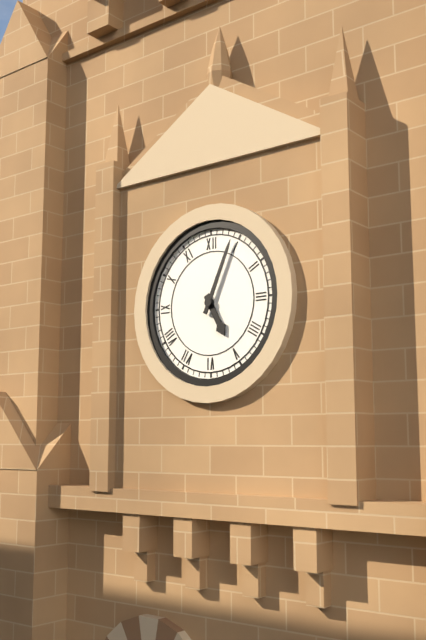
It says 5:04
